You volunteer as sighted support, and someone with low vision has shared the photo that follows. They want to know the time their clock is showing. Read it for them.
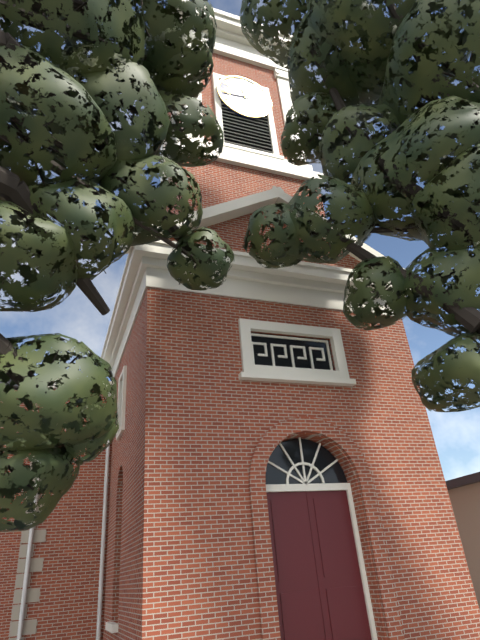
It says 11:44
